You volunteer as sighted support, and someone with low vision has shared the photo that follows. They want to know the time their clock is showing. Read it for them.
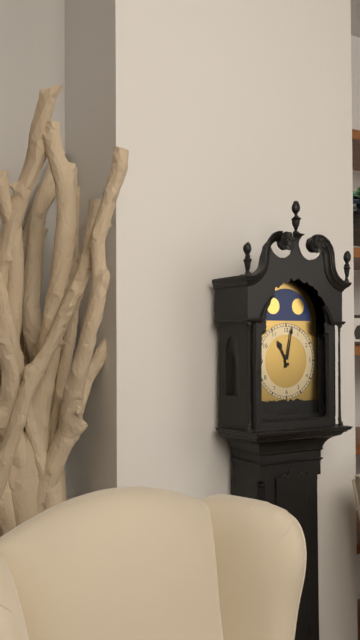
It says 11:02
